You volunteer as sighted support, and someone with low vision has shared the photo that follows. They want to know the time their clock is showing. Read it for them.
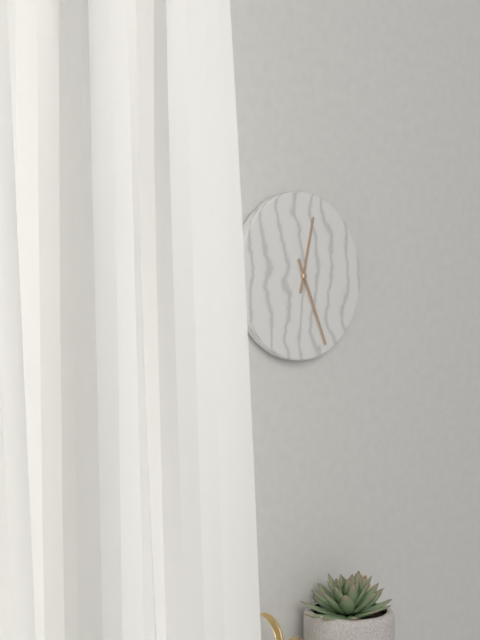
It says 12:26
